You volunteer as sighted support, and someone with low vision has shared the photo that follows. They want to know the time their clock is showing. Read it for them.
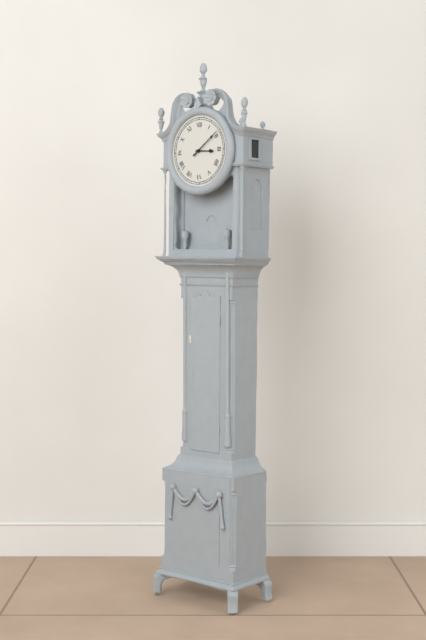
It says 3:09
